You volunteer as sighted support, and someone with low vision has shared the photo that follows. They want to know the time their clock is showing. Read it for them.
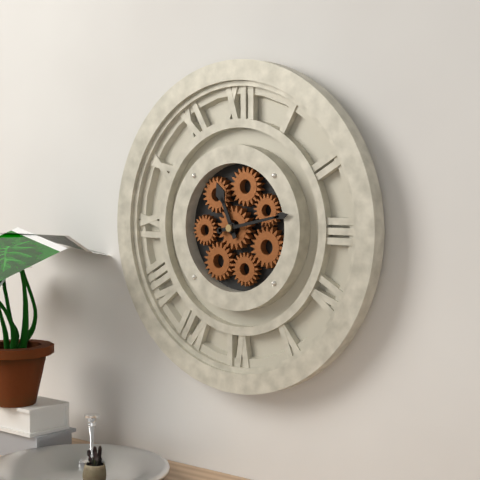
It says 11:13
